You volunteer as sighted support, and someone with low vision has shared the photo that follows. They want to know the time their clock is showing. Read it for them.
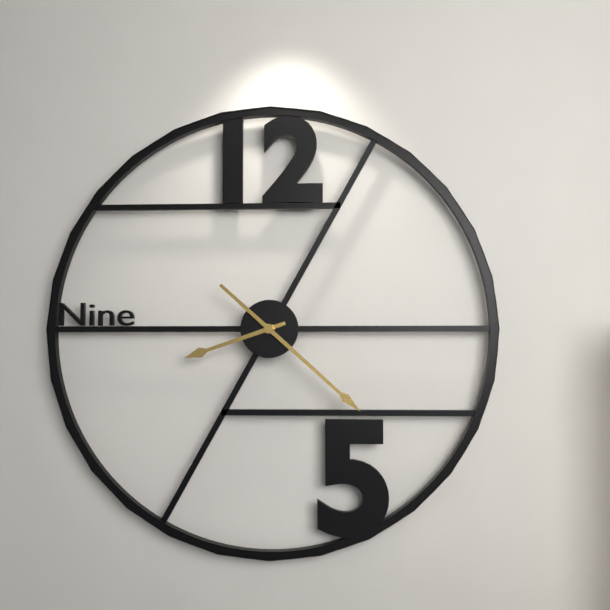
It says 8:22
